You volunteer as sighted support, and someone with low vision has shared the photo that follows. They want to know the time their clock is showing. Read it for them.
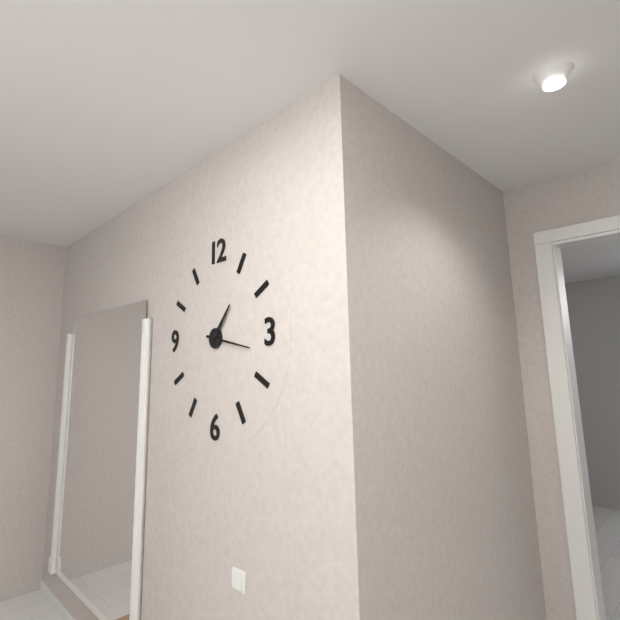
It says 1:17
